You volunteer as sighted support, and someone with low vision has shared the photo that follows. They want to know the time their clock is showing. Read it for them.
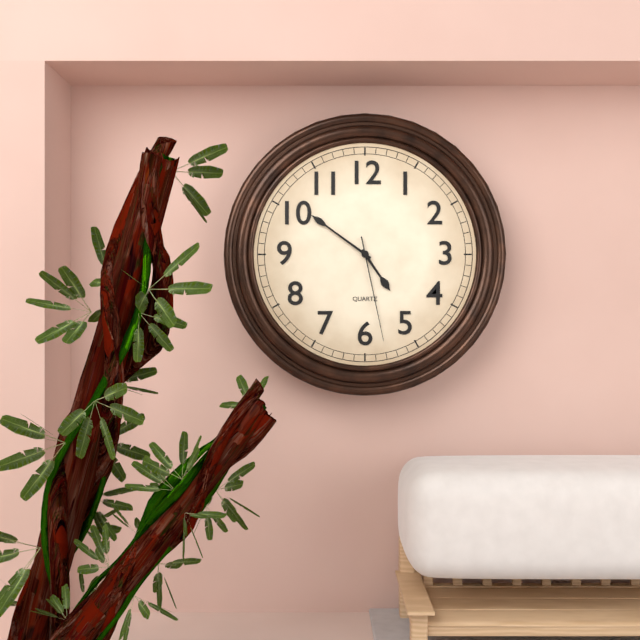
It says 4:51:28
